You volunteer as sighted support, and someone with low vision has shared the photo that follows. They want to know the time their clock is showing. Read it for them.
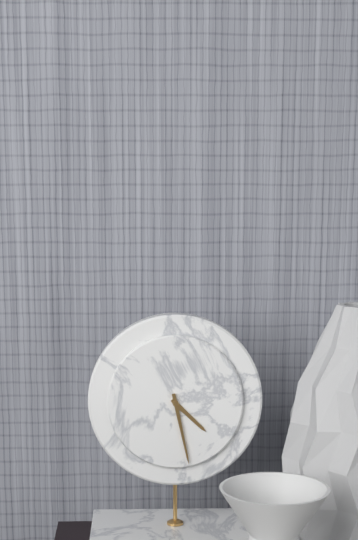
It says 4:28
